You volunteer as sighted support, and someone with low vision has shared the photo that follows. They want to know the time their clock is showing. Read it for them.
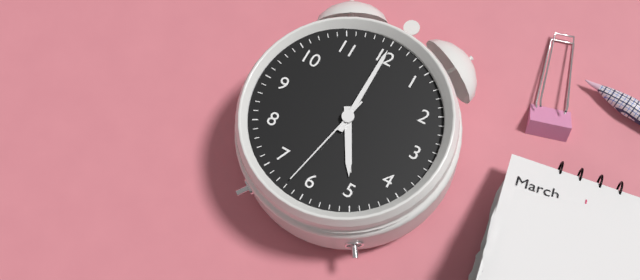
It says 5:00:32
